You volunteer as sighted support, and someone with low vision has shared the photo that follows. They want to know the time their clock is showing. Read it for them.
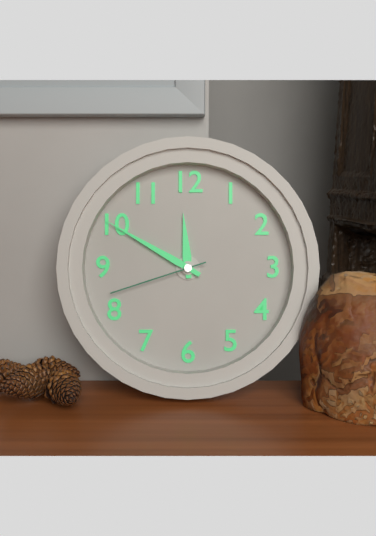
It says 11:50:42
